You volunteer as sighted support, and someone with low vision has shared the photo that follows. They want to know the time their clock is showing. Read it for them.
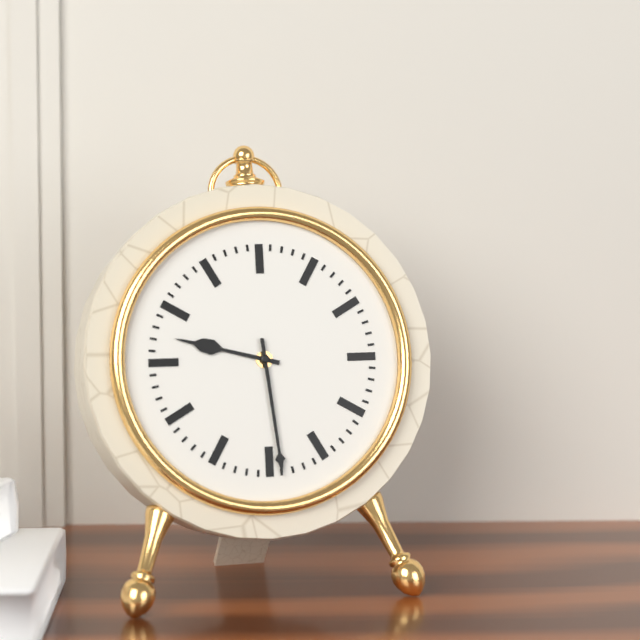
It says 9:29
